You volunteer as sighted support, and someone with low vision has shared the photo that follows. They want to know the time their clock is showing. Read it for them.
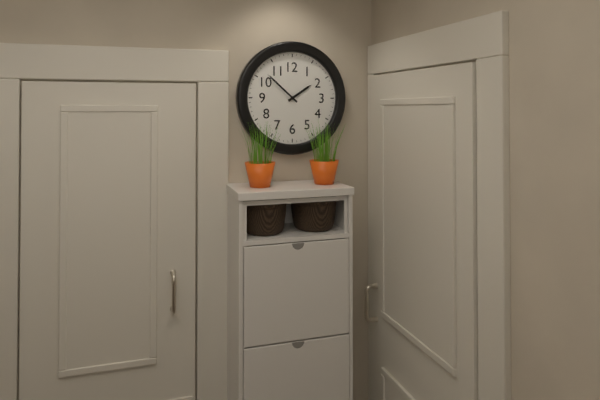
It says 1:52
